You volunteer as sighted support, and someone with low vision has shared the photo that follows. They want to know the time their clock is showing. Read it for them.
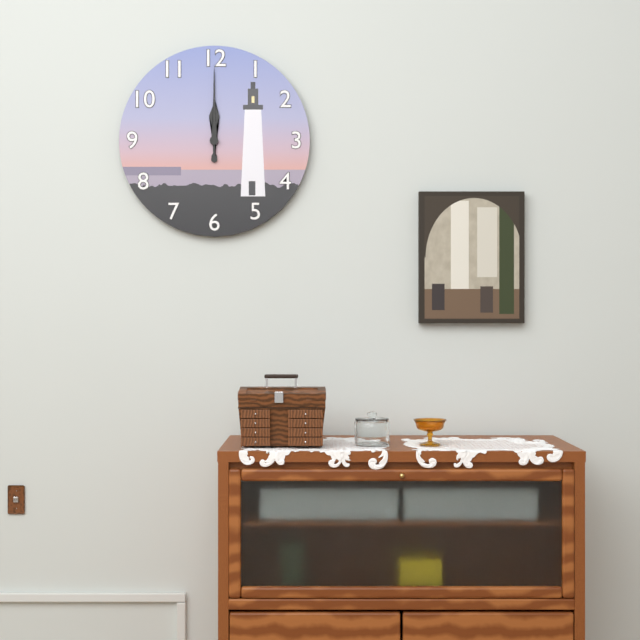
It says 12:00
